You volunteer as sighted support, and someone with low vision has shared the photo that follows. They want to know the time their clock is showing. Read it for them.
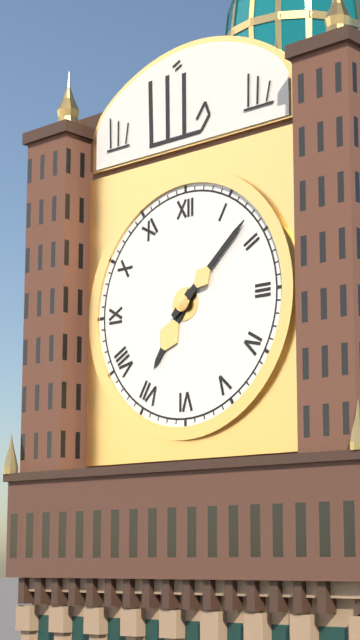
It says 7:08
